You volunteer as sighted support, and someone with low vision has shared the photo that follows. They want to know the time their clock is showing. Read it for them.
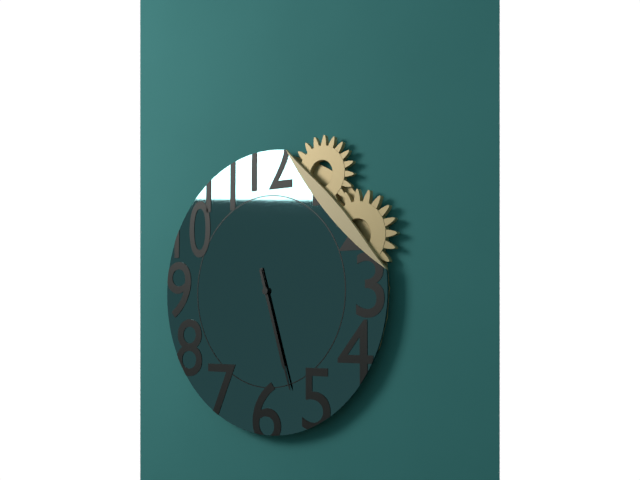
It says 5:27
